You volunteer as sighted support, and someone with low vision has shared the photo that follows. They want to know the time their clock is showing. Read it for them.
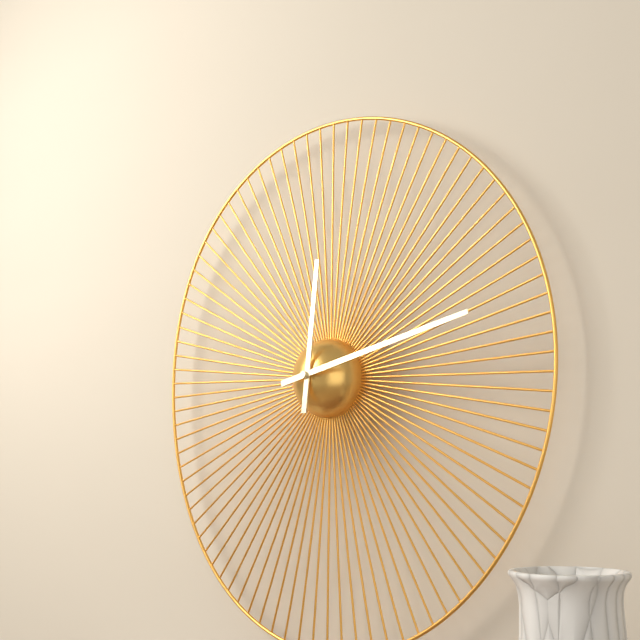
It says 12:13
